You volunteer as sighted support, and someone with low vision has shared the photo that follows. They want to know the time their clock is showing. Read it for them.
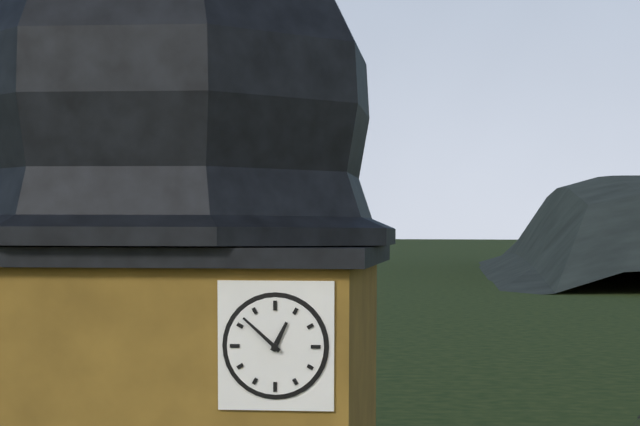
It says 12:52
